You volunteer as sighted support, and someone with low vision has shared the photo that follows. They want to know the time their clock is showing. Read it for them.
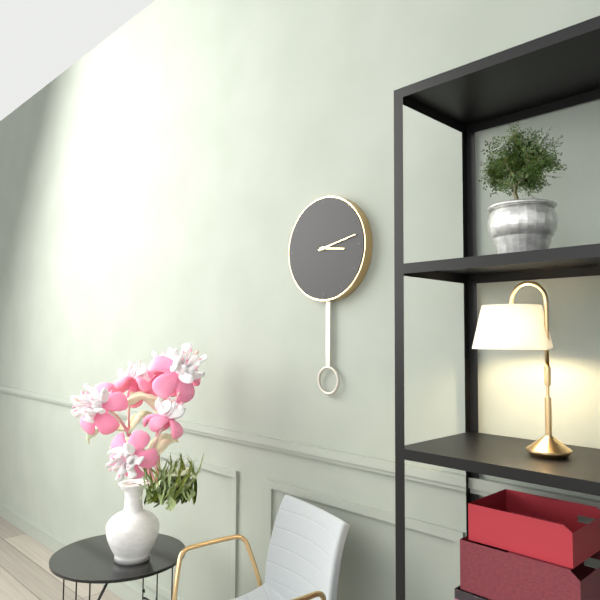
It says 3:13
